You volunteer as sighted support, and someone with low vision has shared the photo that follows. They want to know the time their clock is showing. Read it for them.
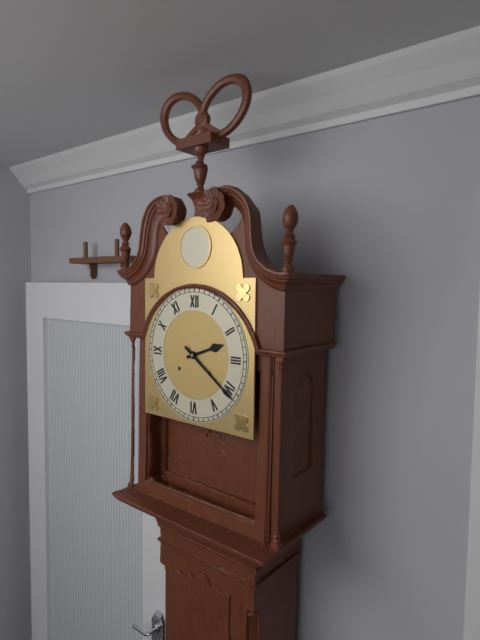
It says 2:21
